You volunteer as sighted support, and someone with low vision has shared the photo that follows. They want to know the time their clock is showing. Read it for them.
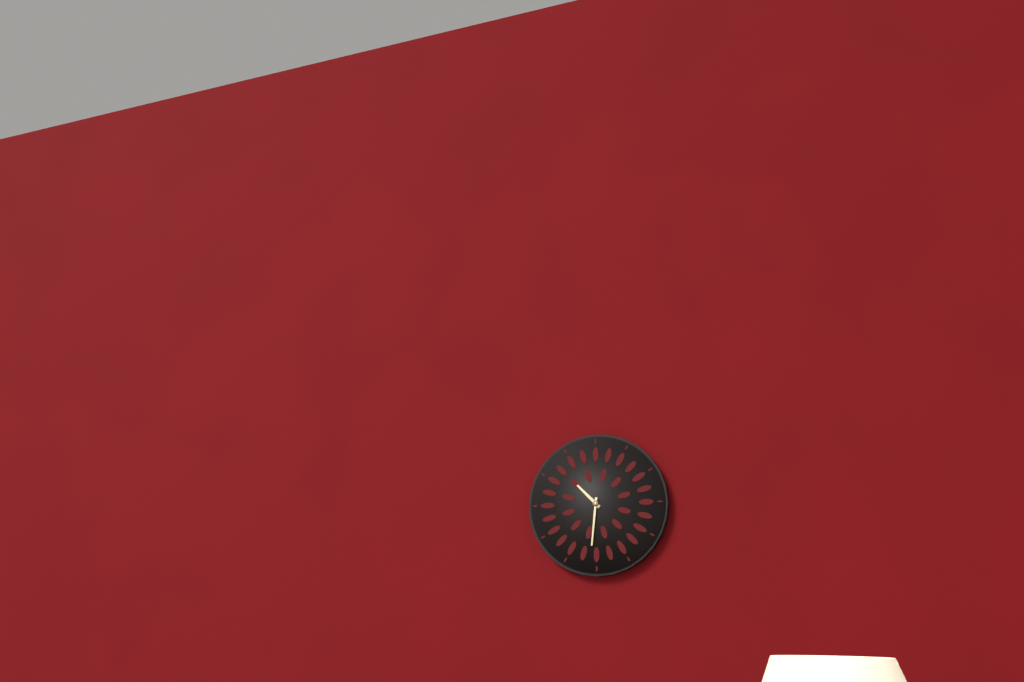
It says 10:31
